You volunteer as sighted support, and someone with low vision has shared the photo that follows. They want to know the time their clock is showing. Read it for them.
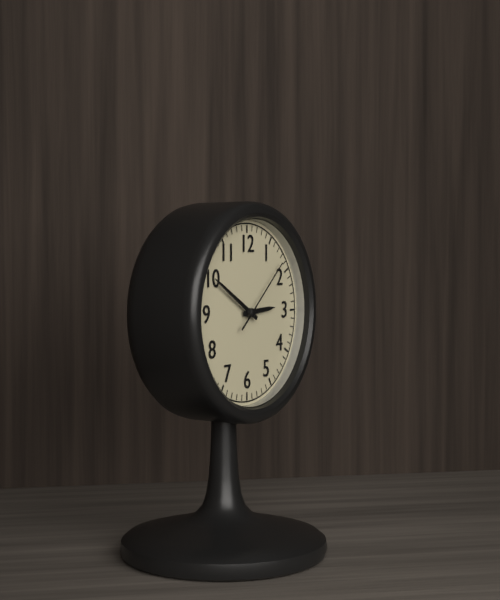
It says 2:50:08
